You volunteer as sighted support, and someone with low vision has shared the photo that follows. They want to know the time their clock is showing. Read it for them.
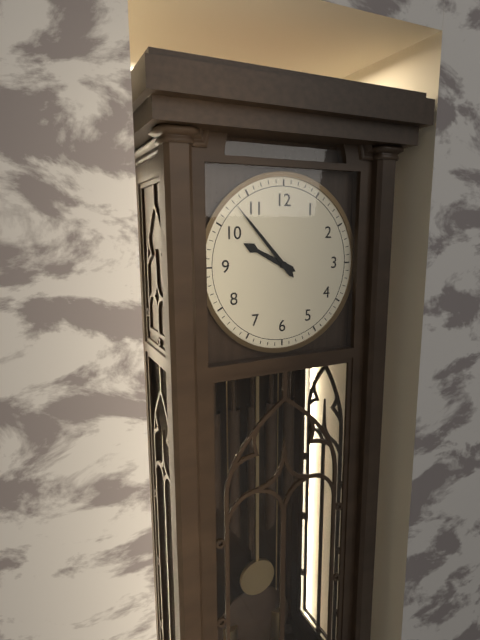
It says 9:53
